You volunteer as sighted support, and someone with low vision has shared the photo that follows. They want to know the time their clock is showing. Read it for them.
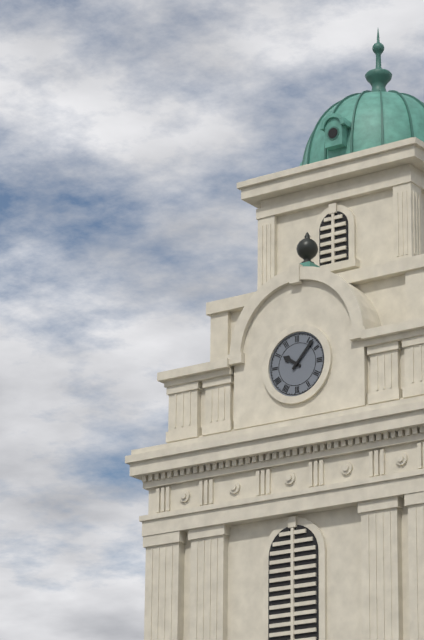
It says 10:07
